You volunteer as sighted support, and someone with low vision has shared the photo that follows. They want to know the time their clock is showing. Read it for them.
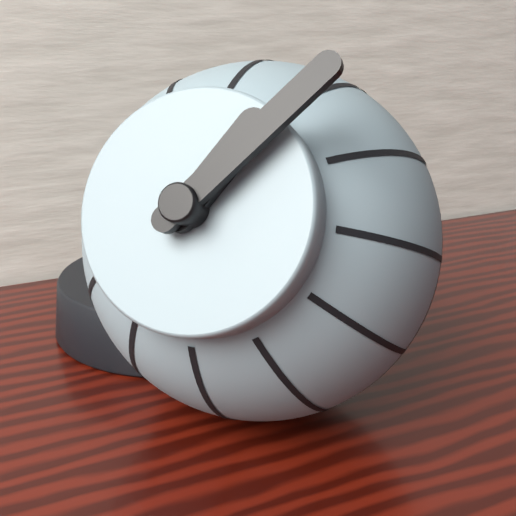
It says 1:07
